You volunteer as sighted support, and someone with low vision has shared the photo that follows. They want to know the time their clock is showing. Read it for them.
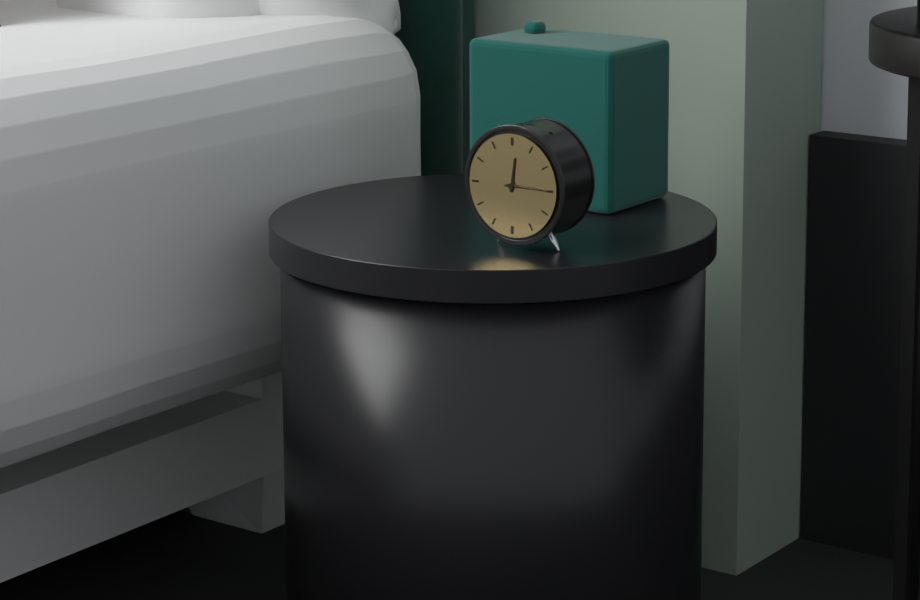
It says 12:15
